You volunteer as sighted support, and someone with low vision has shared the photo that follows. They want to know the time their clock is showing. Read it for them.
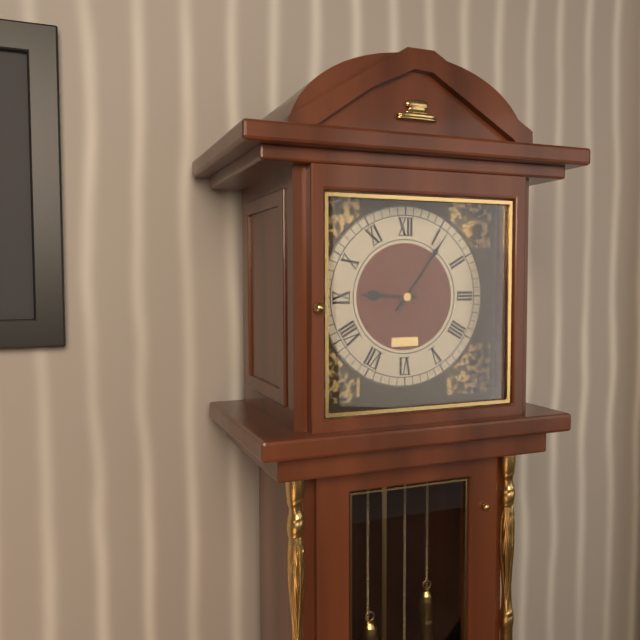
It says 9:06
